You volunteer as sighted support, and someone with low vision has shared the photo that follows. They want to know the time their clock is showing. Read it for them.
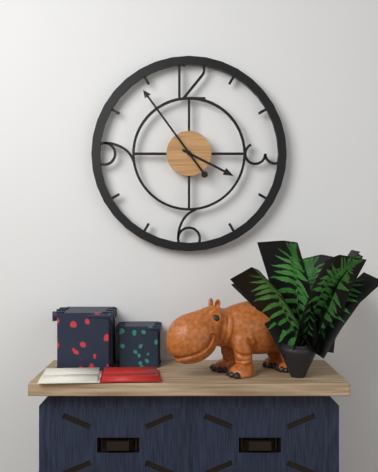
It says 3:54
